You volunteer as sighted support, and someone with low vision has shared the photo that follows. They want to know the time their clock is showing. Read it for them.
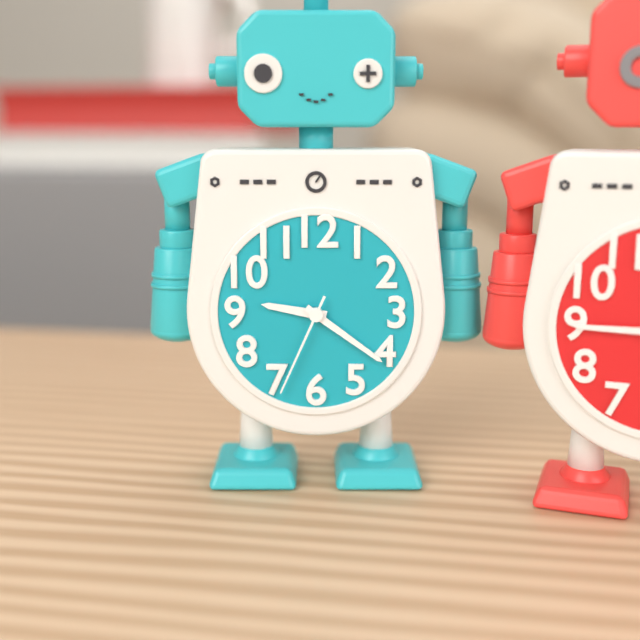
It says 9:21:34
